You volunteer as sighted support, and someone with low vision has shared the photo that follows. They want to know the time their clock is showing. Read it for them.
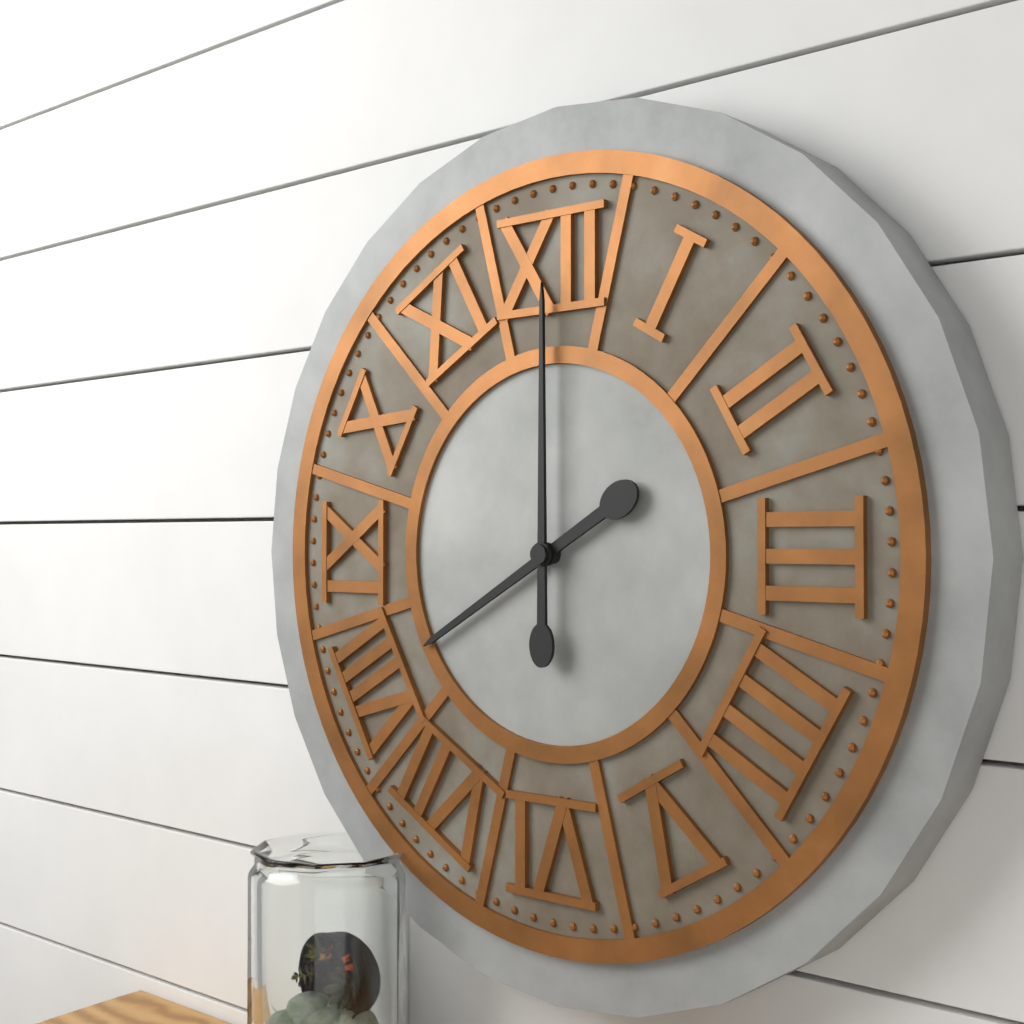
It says 8:00
